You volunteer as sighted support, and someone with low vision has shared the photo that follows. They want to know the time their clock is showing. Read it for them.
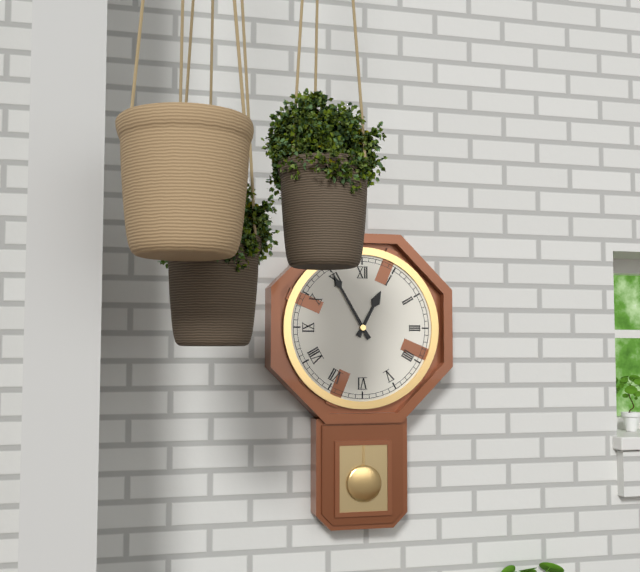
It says 12:55
